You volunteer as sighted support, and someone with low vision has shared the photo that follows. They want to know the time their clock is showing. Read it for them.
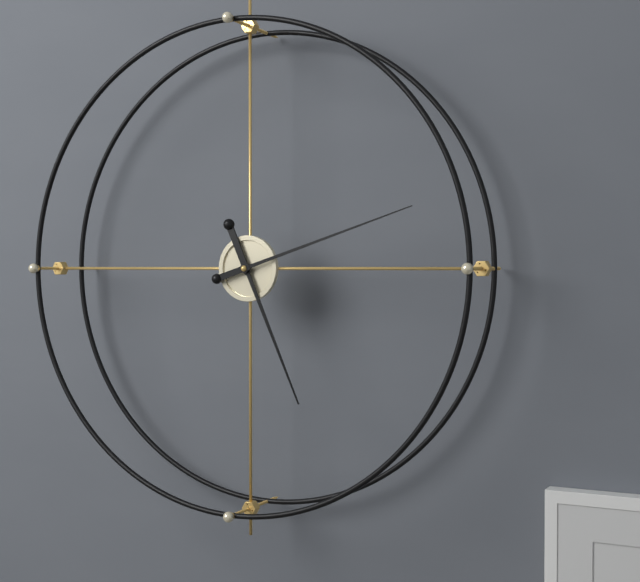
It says 5:12
